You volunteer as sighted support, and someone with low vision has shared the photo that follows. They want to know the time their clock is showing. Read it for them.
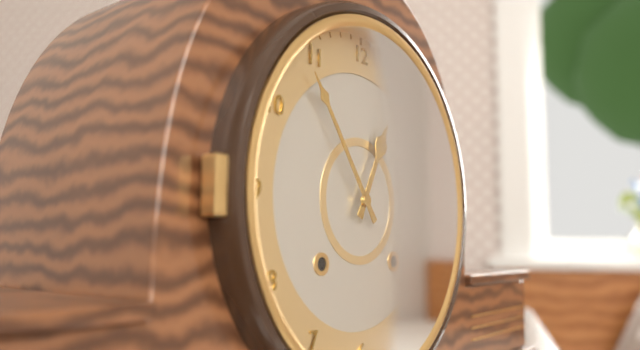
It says 12:54
